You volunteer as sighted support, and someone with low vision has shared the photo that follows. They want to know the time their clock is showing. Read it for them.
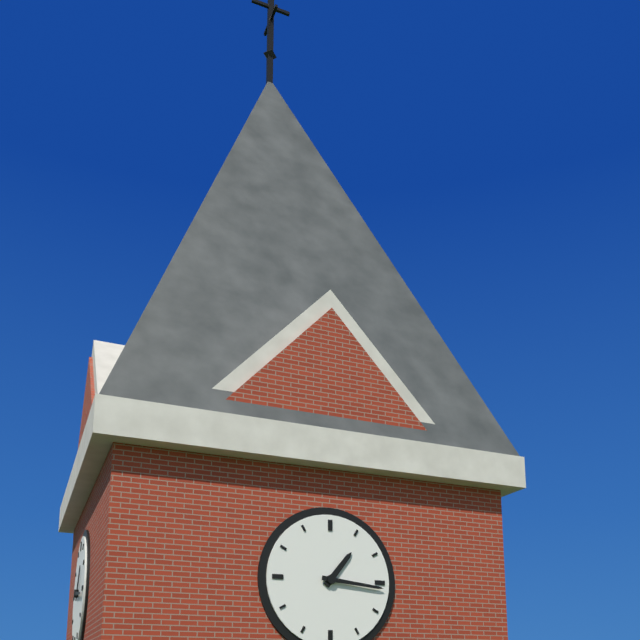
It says 1:16
